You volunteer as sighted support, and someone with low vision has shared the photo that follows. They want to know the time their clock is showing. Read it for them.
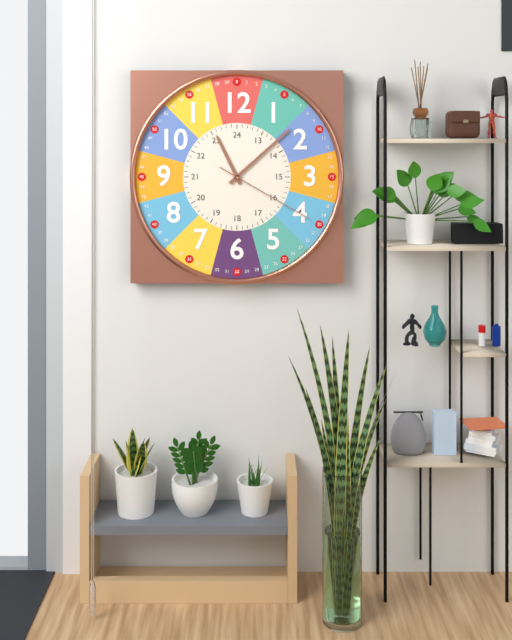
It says 11:08:20
